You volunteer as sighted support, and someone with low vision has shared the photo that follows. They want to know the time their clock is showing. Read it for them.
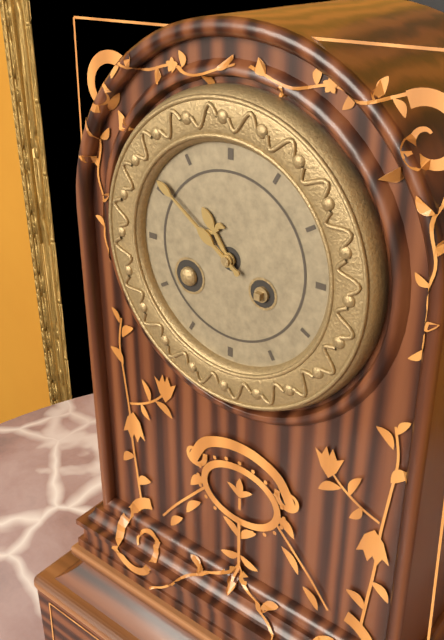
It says 10:51
